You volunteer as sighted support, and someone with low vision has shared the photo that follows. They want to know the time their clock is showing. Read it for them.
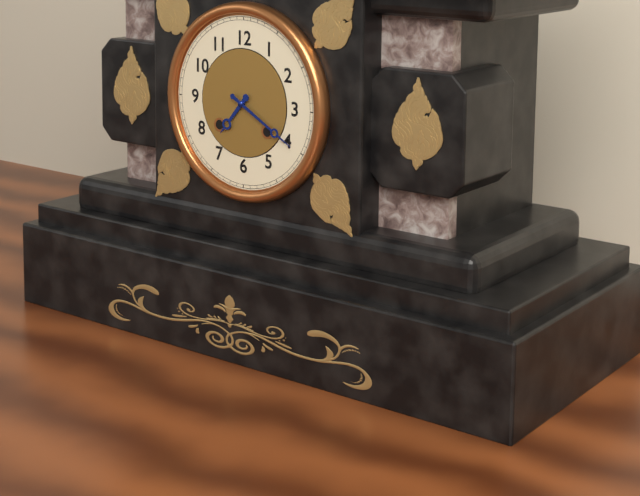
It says 7:20
